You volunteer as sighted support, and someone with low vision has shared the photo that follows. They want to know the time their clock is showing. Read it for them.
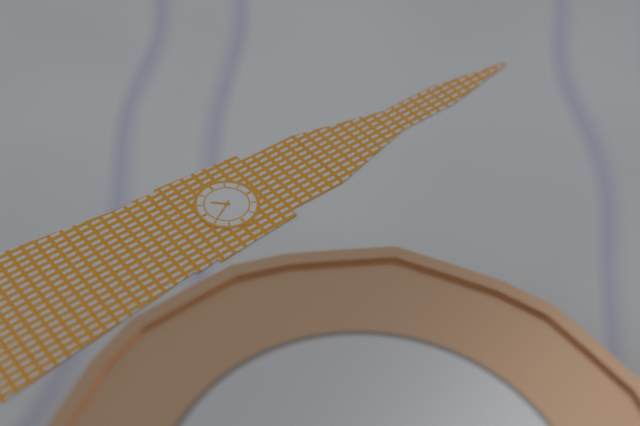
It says 7:25
